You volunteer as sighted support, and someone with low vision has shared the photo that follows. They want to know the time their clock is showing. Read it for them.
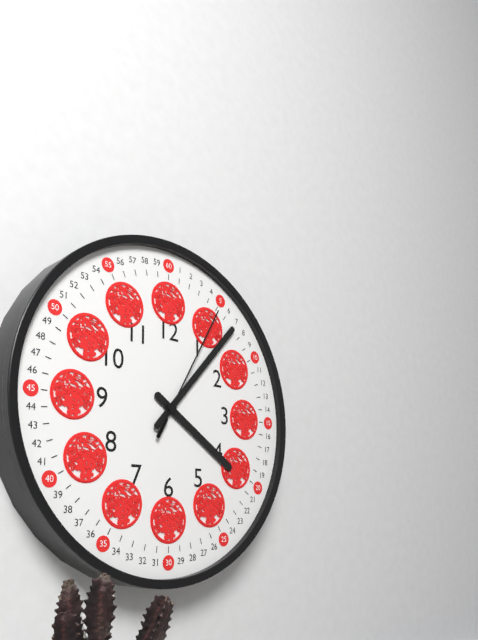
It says 4:07:05
